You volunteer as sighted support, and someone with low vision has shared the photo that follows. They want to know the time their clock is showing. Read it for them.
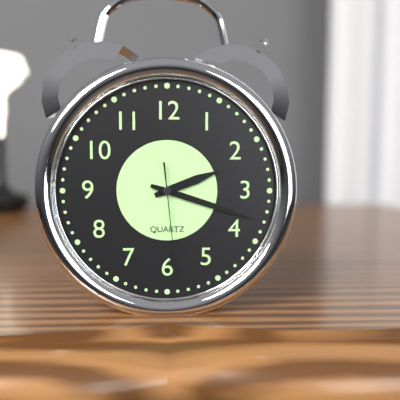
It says 2:18:29
